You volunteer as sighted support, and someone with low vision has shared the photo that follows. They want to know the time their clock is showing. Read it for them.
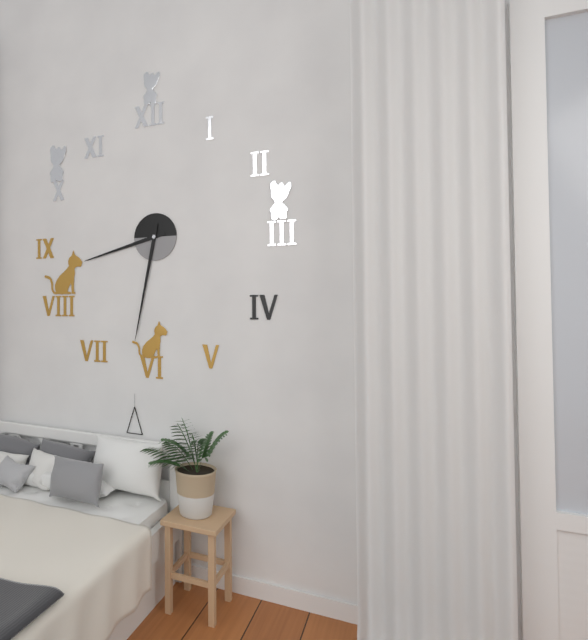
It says 8:32
